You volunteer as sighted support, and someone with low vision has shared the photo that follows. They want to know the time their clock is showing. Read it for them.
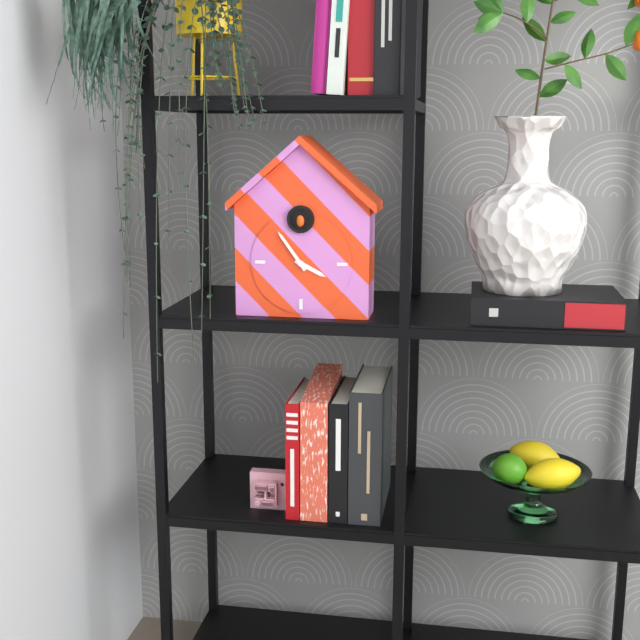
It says 3:54
